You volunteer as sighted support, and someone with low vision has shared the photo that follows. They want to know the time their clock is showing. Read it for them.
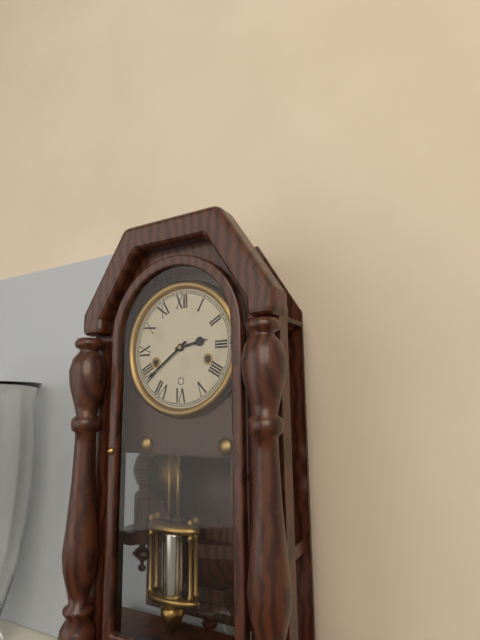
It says 2:39
